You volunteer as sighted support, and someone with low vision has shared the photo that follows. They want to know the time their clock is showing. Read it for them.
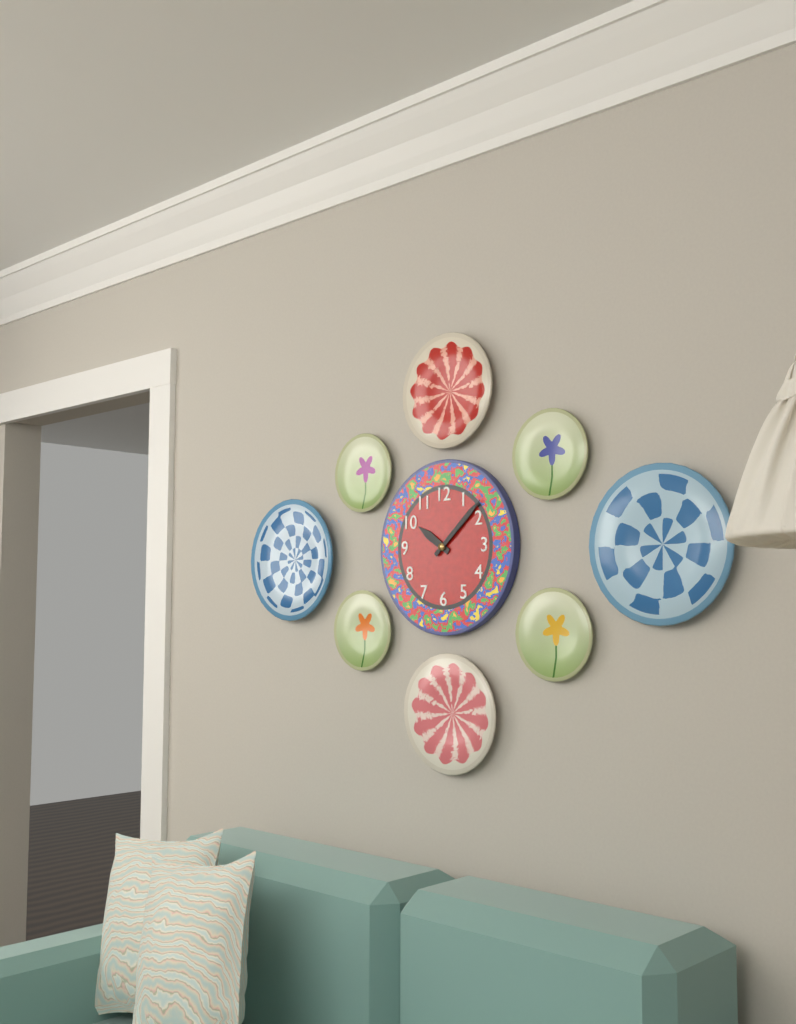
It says 10:08
